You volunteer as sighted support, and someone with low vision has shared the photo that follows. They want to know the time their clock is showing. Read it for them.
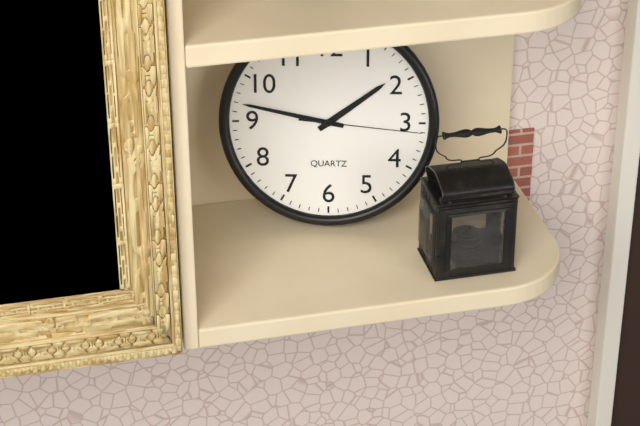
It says 1:47:16
